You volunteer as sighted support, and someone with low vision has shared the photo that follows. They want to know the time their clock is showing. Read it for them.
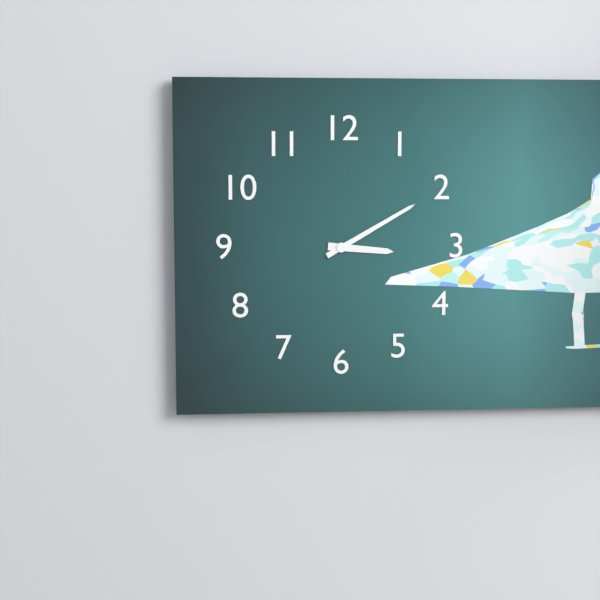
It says 3:10
